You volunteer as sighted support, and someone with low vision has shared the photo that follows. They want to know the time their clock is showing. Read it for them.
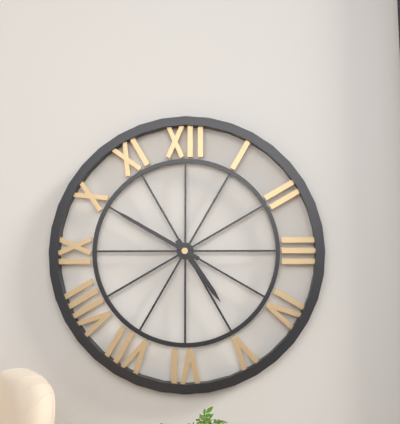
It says 4:50
